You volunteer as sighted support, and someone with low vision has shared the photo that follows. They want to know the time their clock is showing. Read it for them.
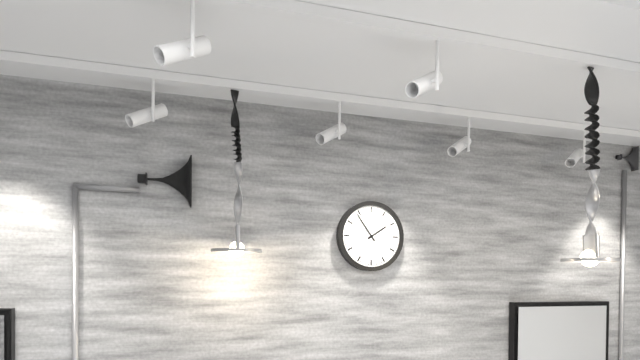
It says 1:54
